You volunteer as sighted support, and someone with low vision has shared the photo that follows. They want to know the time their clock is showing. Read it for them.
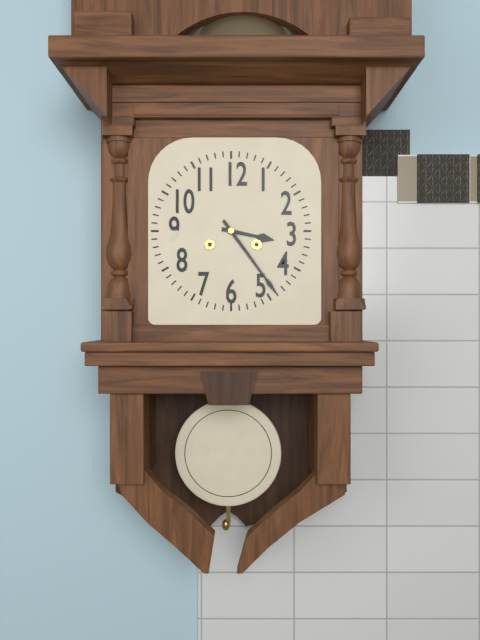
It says 3:24
